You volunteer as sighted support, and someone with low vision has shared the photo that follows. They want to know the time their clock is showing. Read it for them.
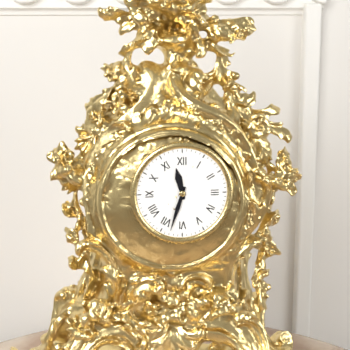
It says 11:33
